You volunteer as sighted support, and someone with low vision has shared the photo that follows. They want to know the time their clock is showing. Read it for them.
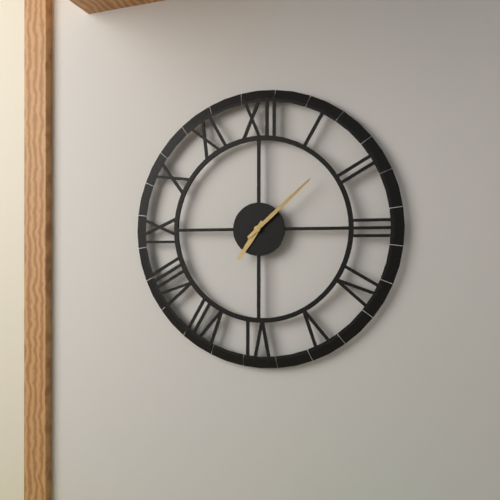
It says 7:08
